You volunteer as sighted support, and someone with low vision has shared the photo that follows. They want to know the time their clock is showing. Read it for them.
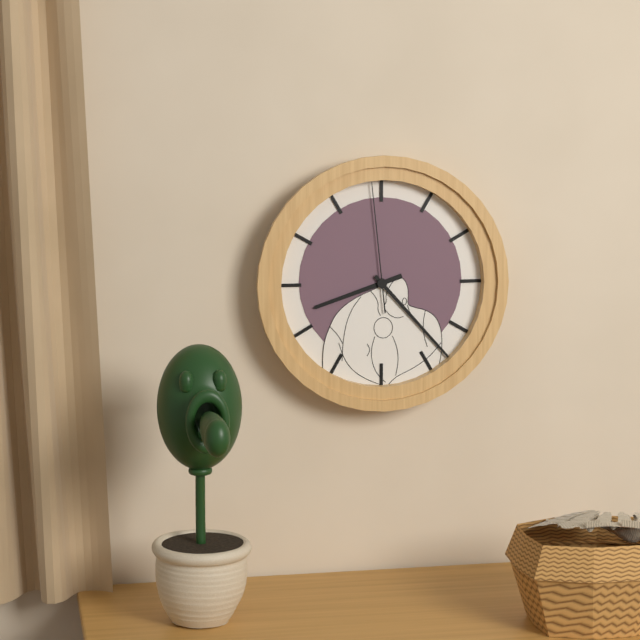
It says 8:23:59
